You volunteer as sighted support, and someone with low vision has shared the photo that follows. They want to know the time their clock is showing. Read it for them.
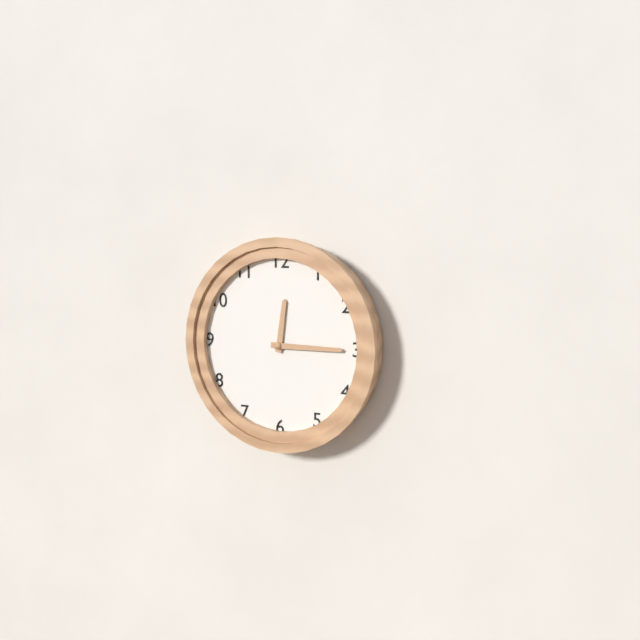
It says 12:15
